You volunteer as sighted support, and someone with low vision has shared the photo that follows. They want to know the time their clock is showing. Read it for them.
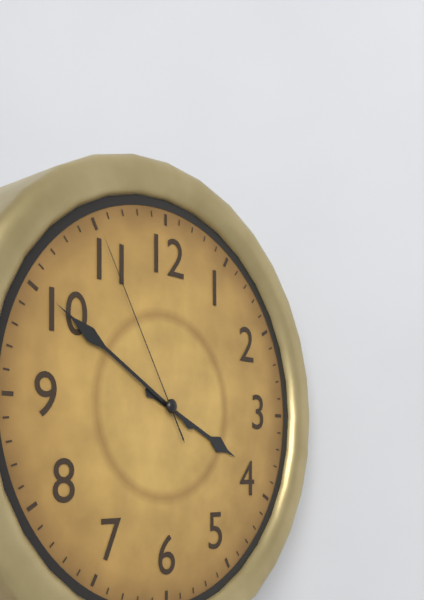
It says 3:50:55
